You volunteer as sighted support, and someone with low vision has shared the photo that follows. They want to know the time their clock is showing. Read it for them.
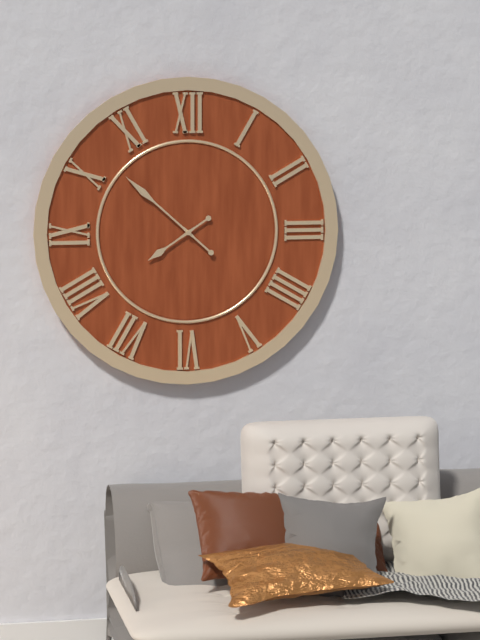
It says 7:52
